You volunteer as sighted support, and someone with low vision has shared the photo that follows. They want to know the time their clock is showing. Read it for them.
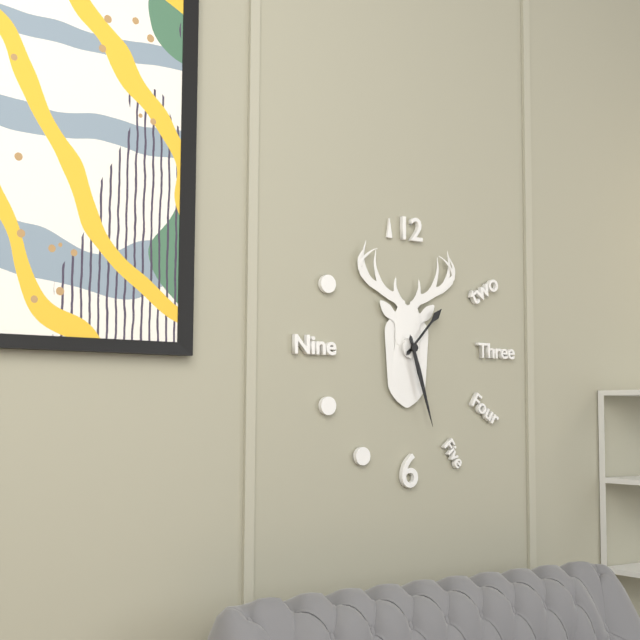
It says 1:27
